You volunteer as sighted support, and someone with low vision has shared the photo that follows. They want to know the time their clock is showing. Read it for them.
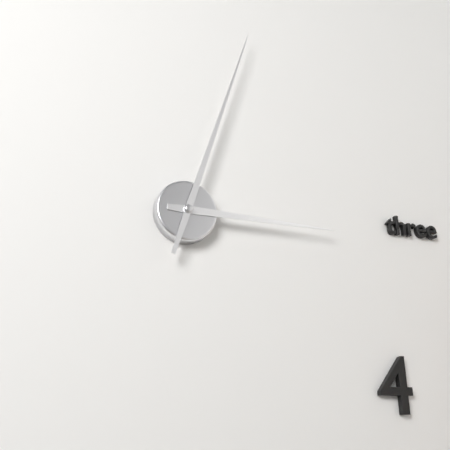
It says 3:03
